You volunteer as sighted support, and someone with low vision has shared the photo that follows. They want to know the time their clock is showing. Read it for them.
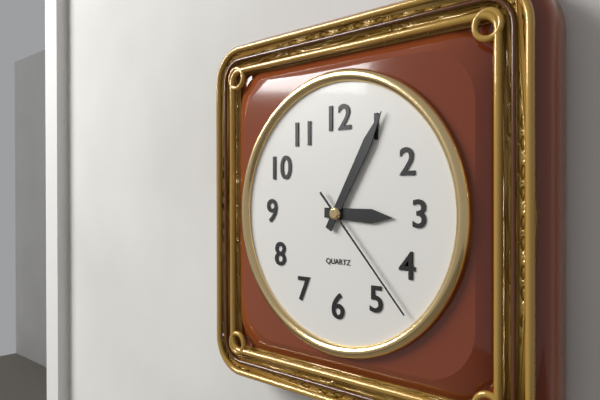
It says 3:05:23
